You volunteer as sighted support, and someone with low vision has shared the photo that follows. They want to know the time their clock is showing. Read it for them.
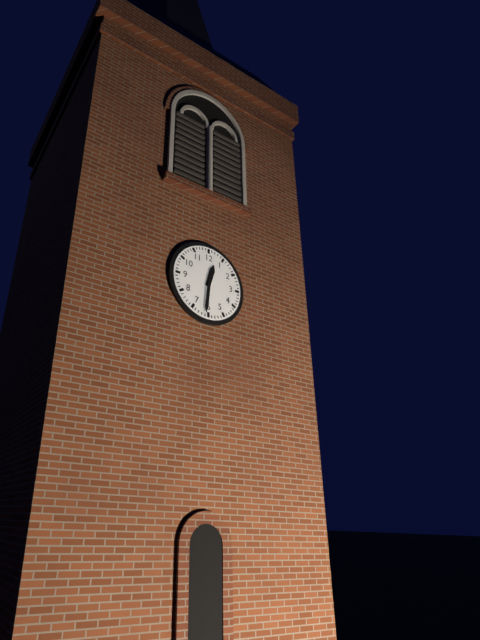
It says 12:31
